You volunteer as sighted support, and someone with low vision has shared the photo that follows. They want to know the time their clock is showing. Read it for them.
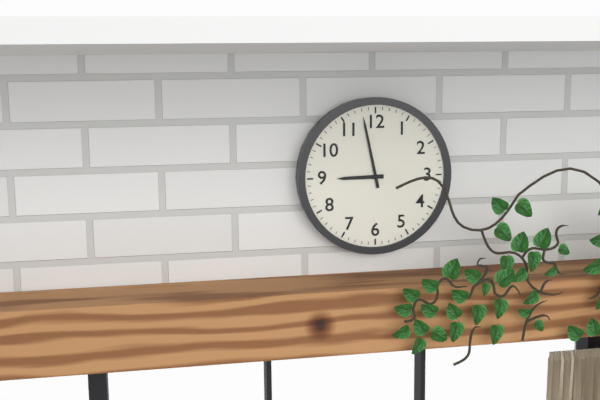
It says 8:58
